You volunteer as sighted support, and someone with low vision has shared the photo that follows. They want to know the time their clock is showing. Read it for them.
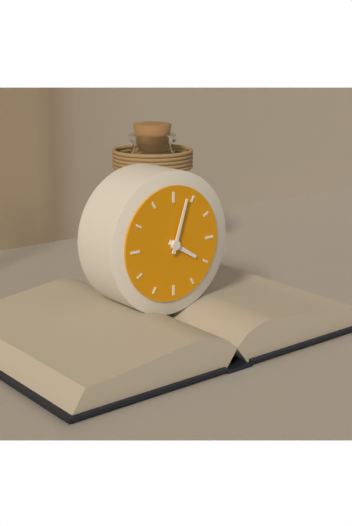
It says 4:03
